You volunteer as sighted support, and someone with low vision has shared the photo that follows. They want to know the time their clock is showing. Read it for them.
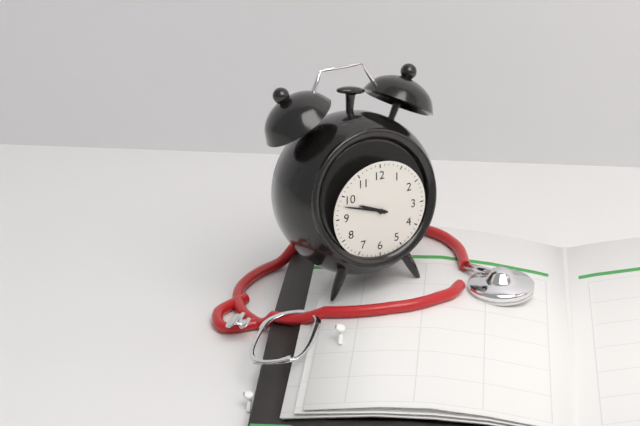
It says 9:48
